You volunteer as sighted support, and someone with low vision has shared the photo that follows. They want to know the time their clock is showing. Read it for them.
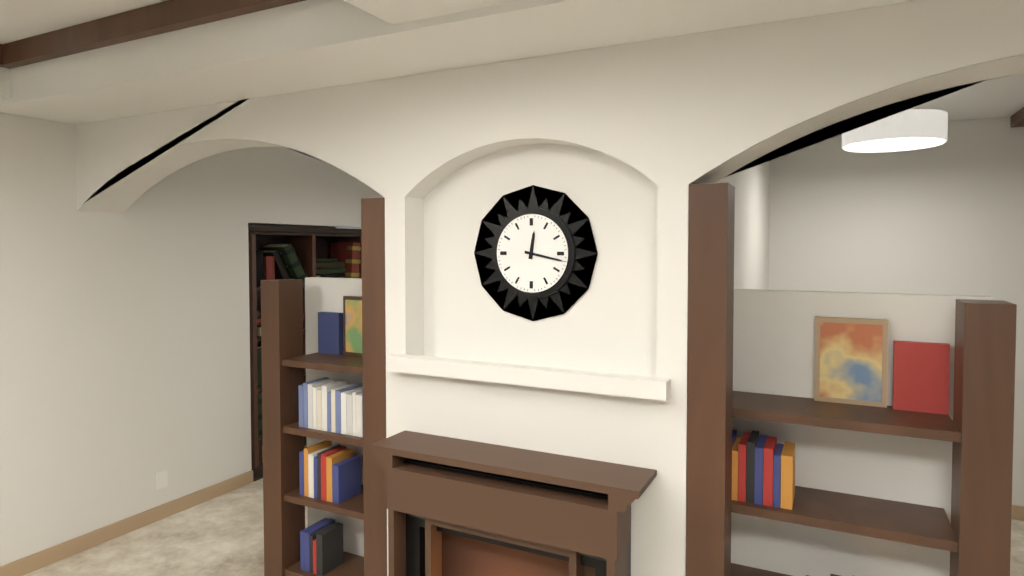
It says 12:17
